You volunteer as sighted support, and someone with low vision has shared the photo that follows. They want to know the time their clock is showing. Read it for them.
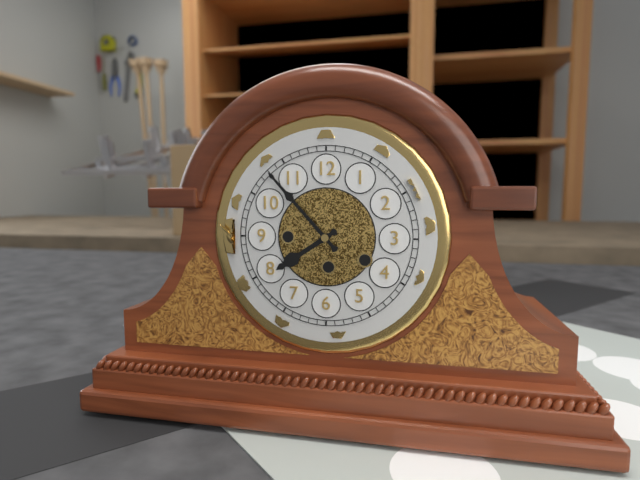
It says 7:53
